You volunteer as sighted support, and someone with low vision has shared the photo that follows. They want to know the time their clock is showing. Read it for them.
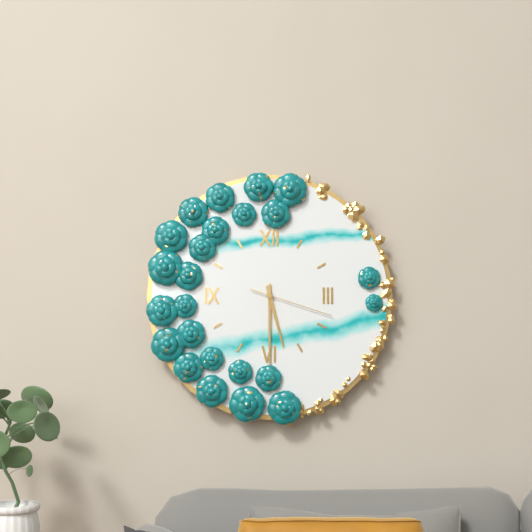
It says 5:30:18
